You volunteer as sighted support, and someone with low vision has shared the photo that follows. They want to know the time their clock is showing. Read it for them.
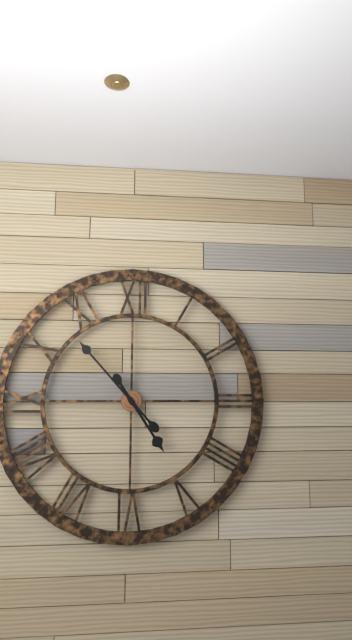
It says 4:53
